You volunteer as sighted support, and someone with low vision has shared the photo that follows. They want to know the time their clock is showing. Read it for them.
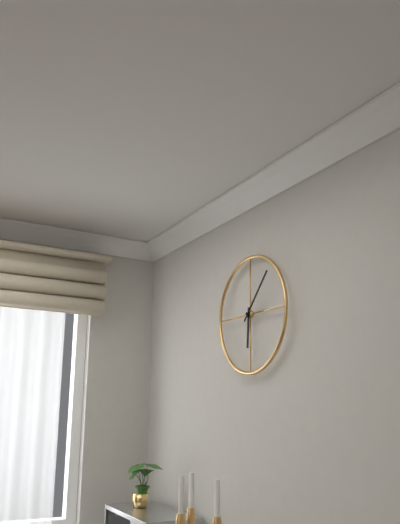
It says 6:07
